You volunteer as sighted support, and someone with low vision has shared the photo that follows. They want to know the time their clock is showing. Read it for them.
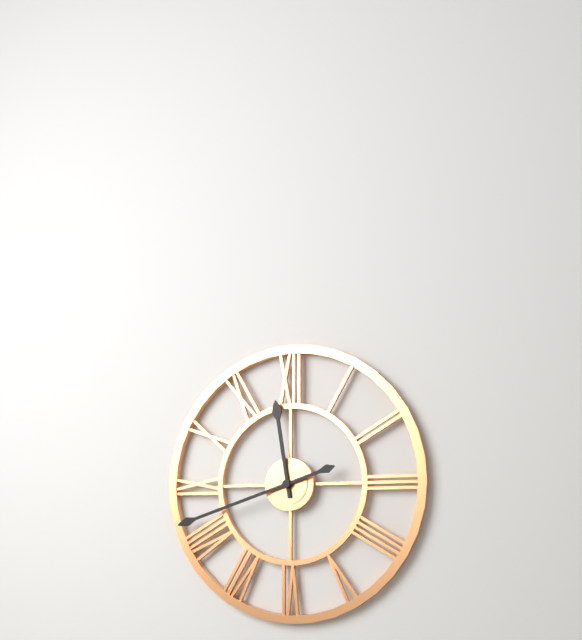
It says 11:42
